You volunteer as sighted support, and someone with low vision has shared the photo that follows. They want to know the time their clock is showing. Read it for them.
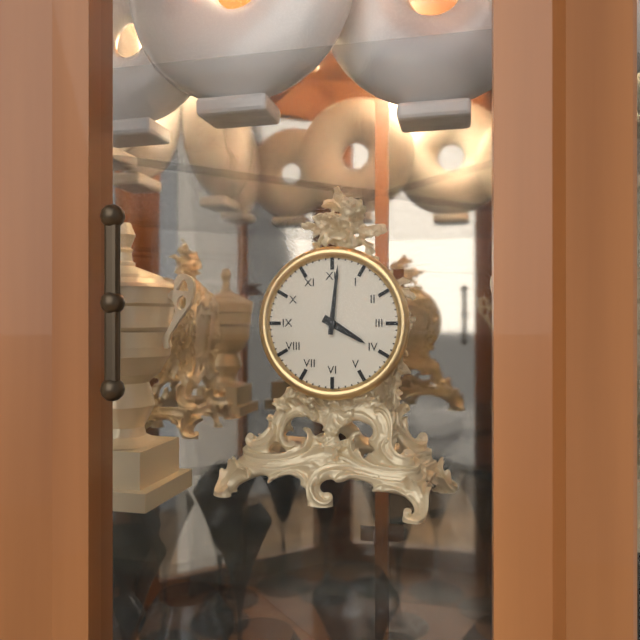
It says 4:01
